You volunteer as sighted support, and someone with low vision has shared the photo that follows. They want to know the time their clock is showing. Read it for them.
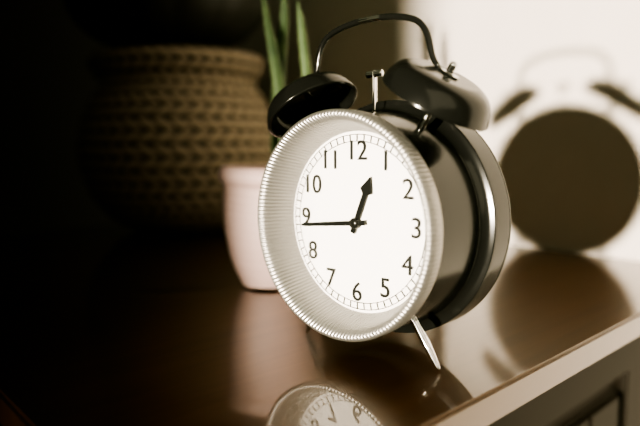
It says 12:44
